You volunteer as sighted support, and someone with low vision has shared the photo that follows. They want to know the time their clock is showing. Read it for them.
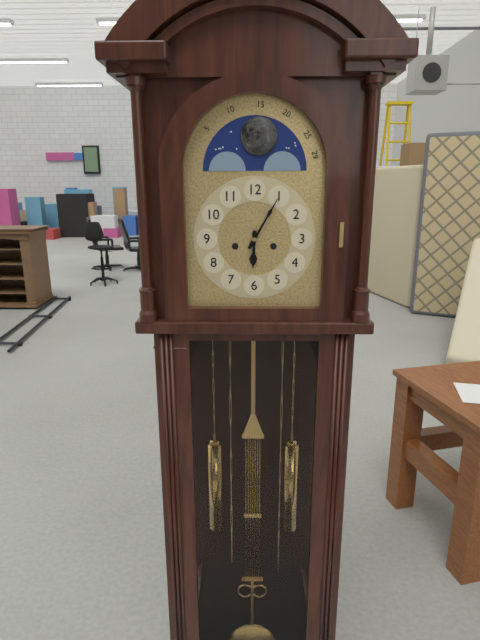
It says 6:05
